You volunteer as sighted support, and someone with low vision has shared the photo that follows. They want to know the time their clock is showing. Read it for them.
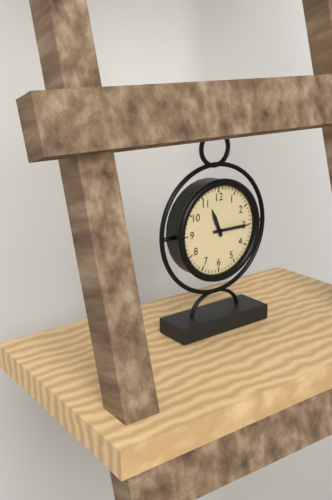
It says 11:15
